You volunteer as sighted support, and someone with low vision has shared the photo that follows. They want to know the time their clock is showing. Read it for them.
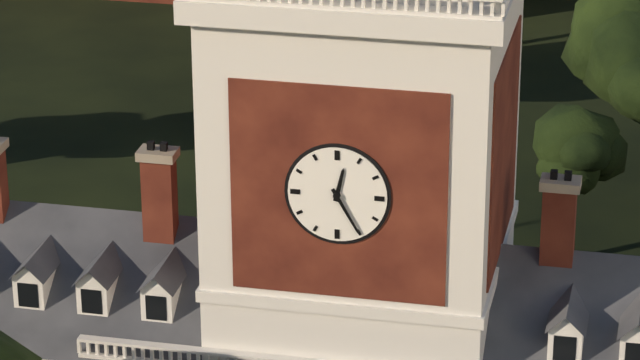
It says 12:25
